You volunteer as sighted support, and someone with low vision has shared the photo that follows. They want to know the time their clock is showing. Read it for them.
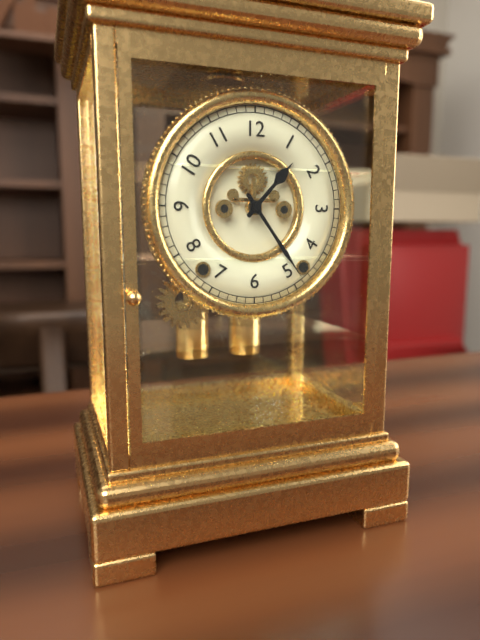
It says 1:24
